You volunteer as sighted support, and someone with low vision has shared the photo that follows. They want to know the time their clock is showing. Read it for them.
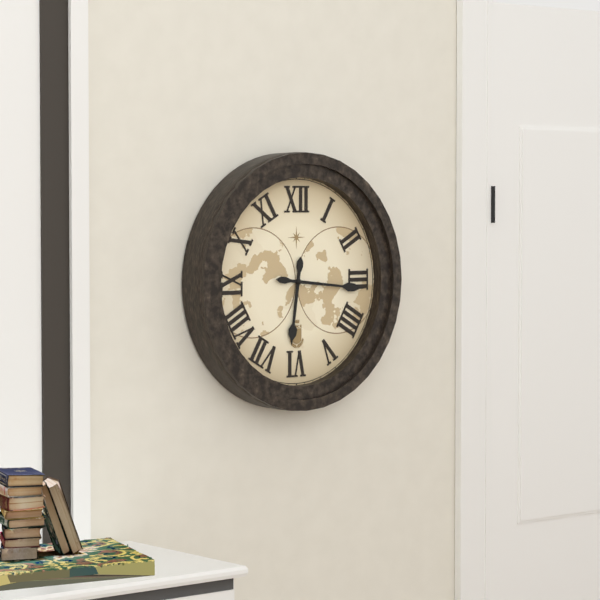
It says 6:16
